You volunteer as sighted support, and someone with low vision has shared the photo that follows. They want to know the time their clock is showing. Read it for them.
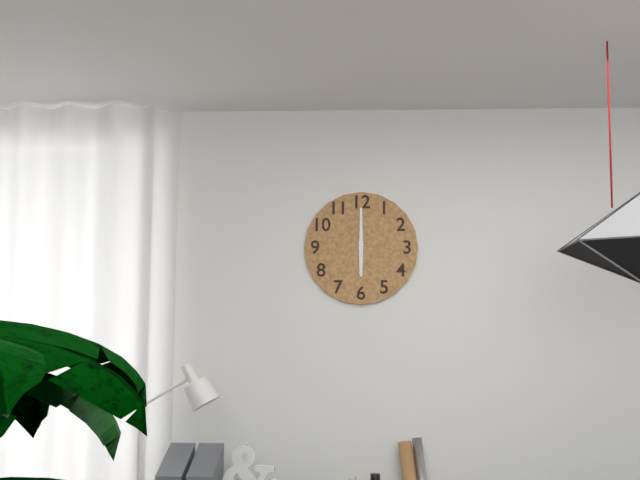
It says 6:00
